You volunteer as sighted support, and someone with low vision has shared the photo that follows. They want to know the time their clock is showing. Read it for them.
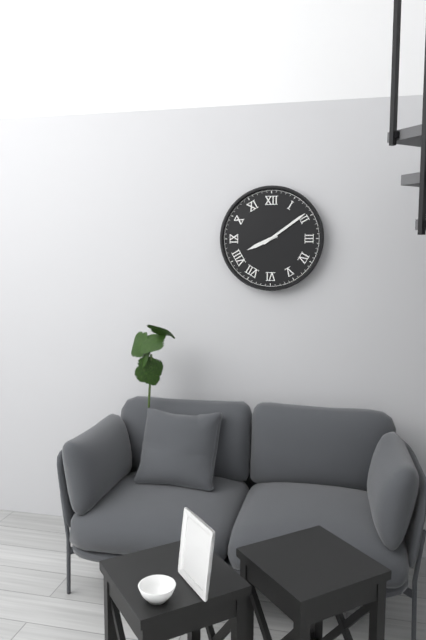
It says 8:09
